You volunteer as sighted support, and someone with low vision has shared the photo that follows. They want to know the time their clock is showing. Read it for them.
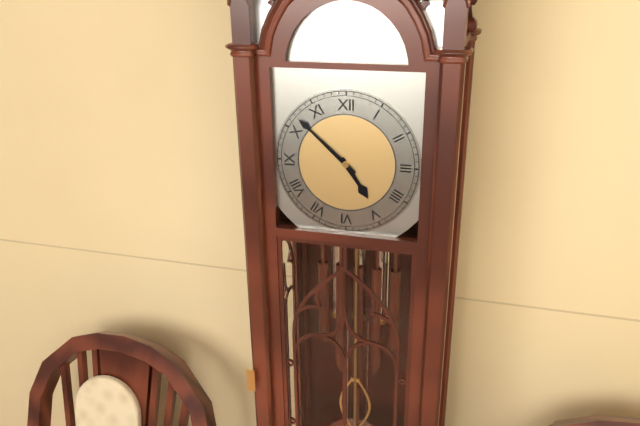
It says 4:52
